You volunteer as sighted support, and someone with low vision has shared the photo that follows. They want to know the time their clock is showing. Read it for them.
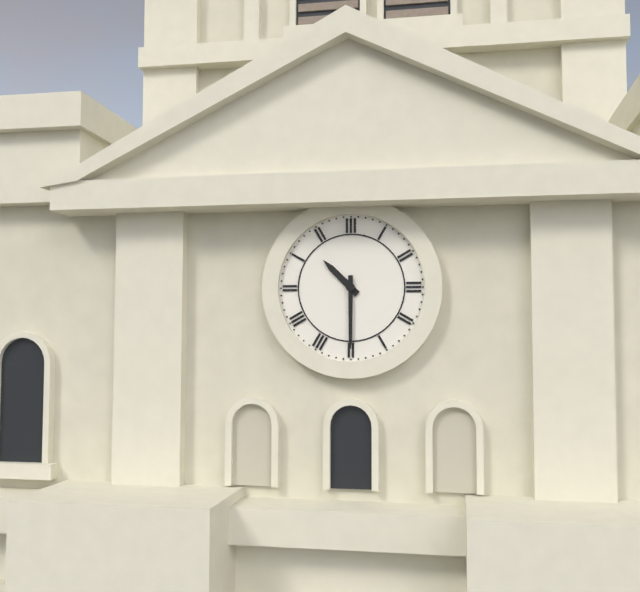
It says 10:30
